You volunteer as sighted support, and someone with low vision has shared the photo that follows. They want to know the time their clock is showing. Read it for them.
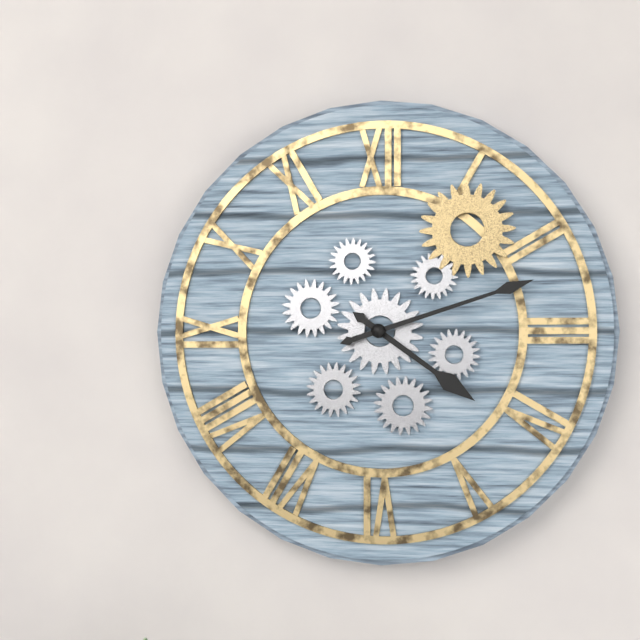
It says 4:12
